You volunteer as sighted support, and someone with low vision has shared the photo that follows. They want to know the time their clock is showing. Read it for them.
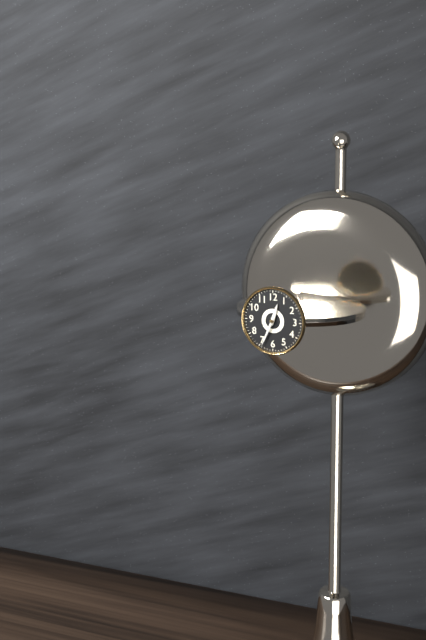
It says 12:34
